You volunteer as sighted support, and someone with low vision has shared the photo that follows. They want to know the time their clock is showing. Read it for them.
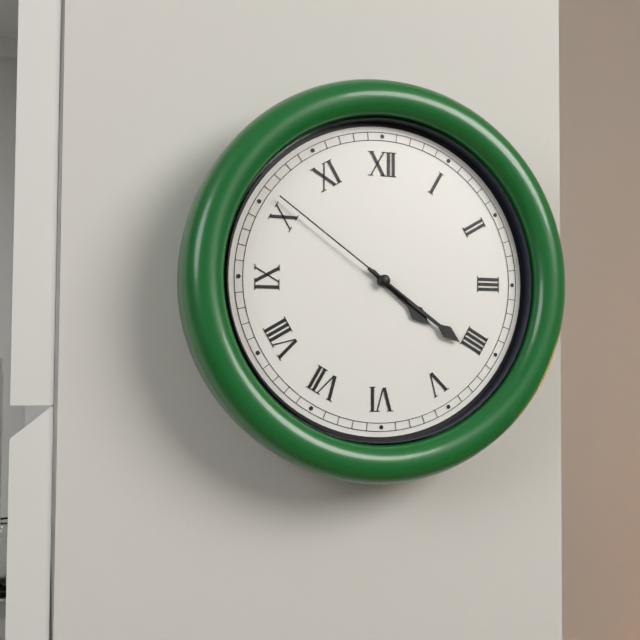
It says 4:21:51
